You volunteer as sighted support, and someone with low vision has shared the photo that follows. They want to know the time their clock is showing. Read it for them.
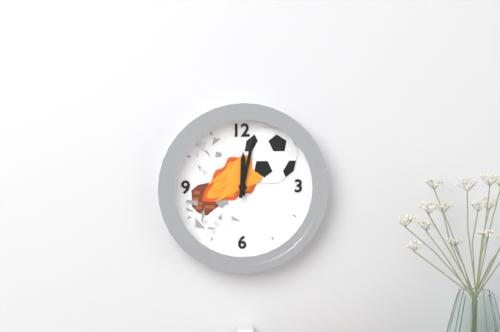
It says 12:02
